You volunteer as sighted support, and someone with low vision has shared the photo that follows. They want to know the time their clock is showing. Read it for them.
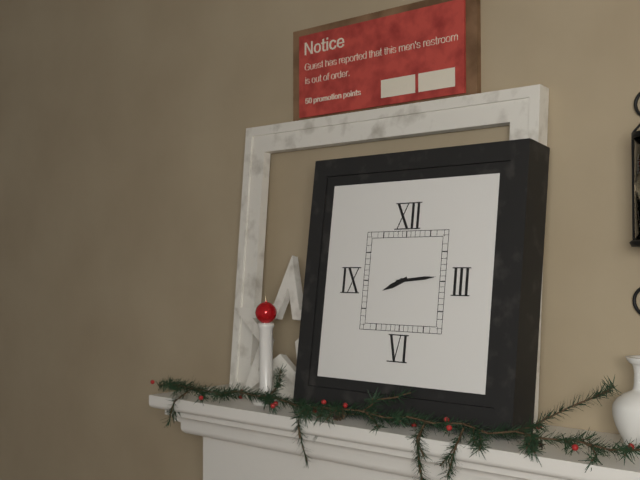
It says 8:14
